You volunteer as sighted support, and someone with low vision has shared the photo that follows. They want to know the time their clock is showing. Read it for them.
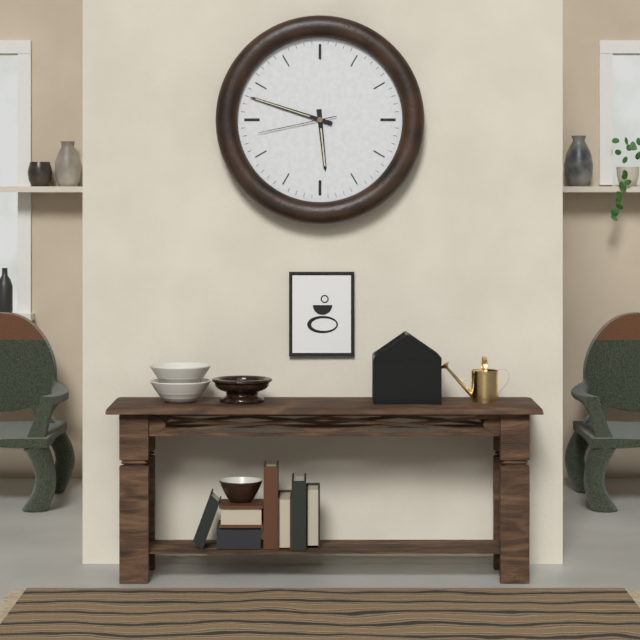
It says 5:48:43
